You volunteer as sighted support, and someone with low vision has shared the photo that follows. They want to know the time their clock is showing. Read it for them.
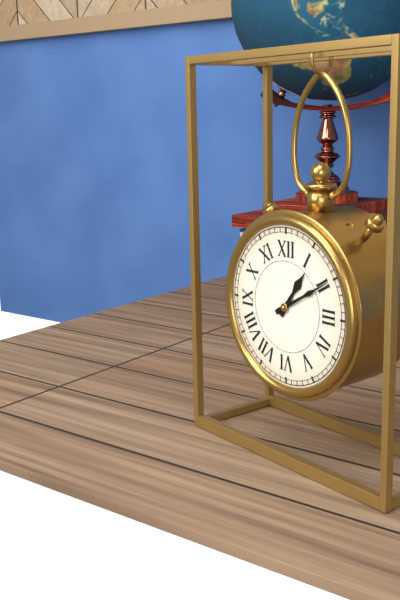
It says 1:10
